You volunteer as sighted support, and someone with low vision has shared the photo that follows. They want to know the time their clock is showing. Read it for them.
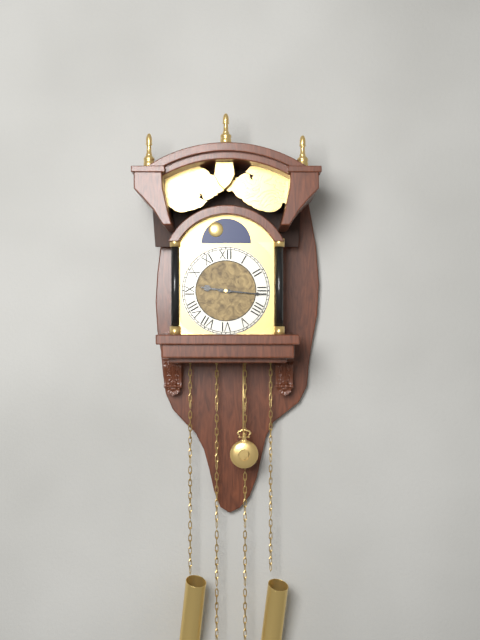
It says 9:16
